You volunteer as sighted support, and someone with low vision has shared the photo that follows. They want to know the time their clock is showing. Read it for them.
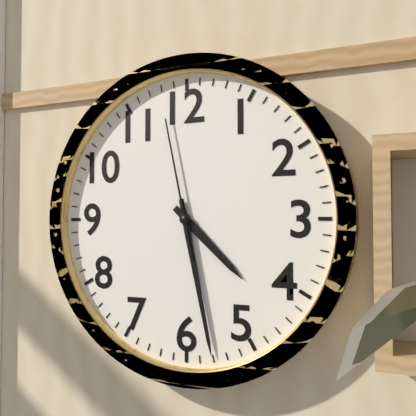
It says 4:28:58
